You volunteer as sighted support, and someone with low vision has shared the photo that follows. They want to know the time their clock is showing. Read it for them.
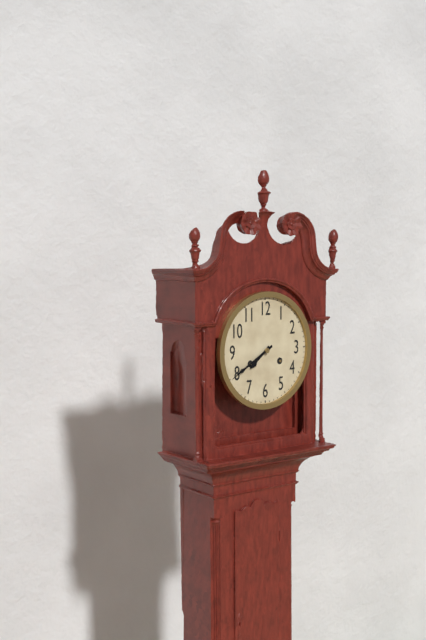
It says 7:40
